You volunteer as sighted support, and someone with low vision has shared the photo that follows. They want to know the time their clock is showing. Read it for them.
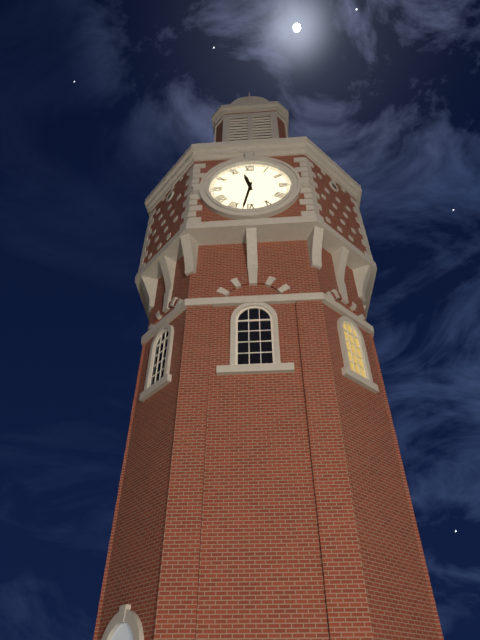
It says 11:32
